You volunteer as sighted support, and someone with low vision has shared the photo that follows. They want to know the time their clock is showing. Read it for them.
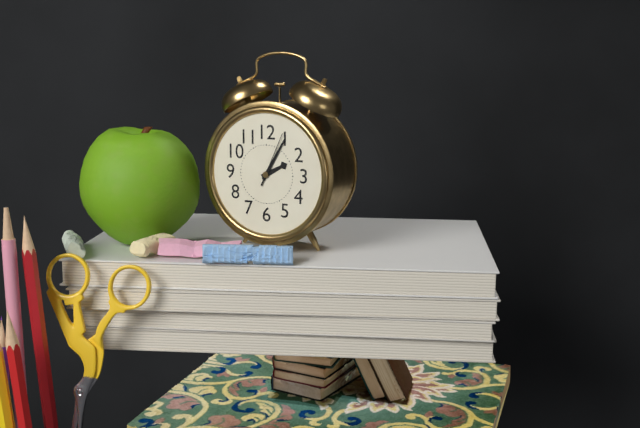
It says 2:05:04
